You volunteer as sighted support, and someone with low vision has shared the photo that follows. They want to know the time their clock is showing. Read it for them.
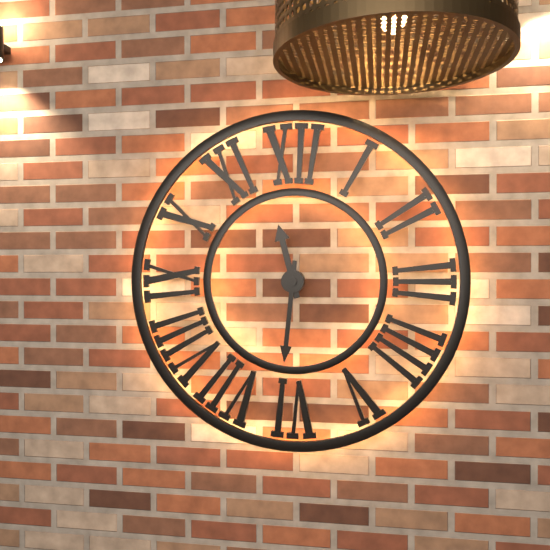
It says 11:31
